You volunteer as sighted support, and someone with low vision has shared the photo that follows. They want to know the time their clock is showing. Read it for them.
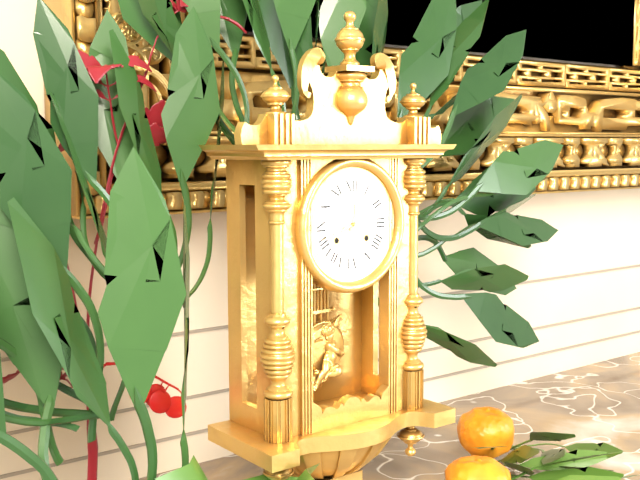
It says 12:42
